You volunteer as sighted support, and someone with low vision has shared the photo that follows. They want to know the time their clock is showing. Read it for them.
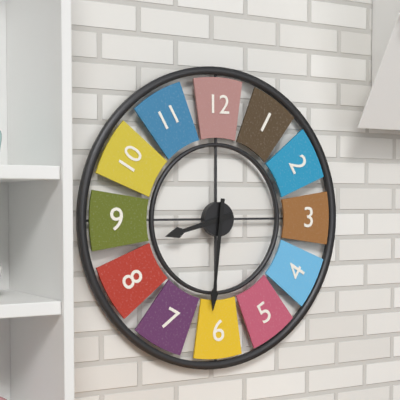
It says 8:31
